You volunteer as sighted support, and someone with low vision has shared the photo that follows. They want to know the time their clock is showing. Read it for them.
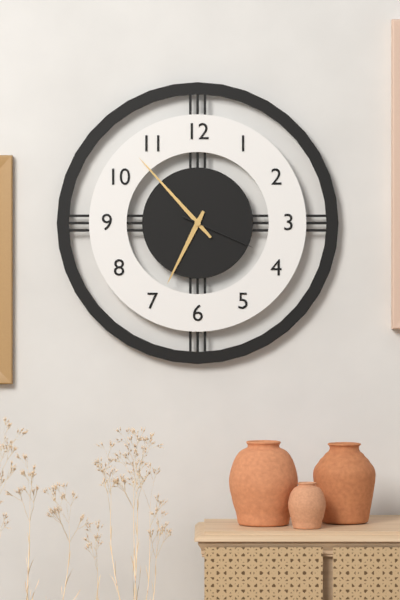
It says 6:53:19
